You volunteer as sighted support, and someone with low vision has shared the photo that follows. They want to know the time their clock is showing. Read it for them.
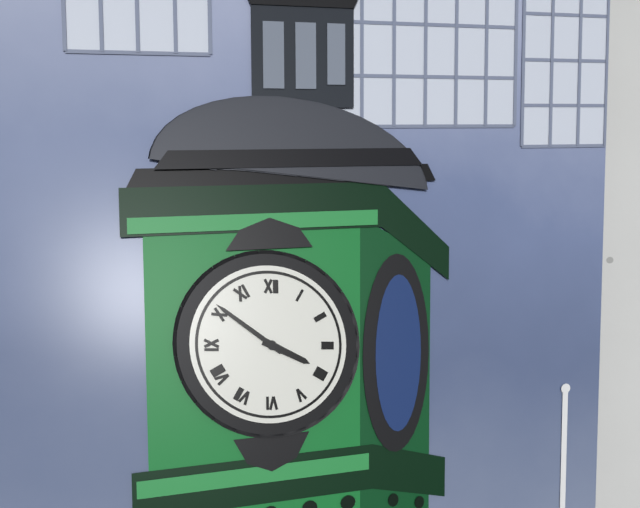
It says 3:51
